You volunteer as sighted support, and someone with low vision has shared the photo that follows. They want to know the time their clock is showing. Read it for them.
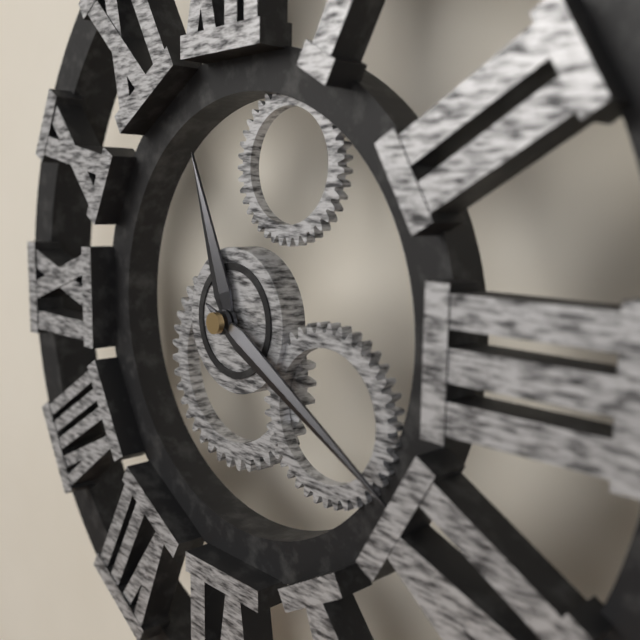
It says 11:20
